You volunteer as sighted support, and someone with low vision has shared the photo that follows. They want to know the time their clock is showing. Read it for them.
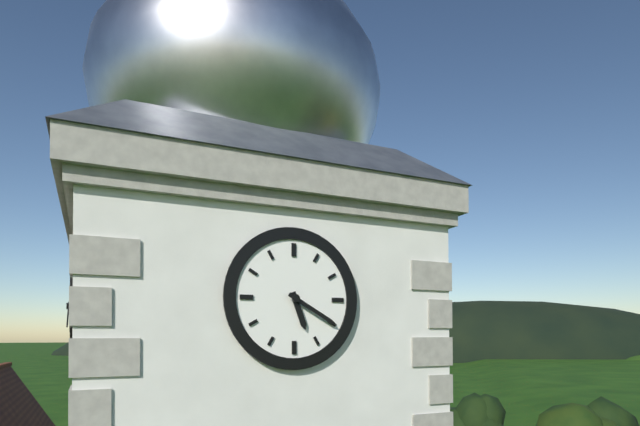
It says 5:20
